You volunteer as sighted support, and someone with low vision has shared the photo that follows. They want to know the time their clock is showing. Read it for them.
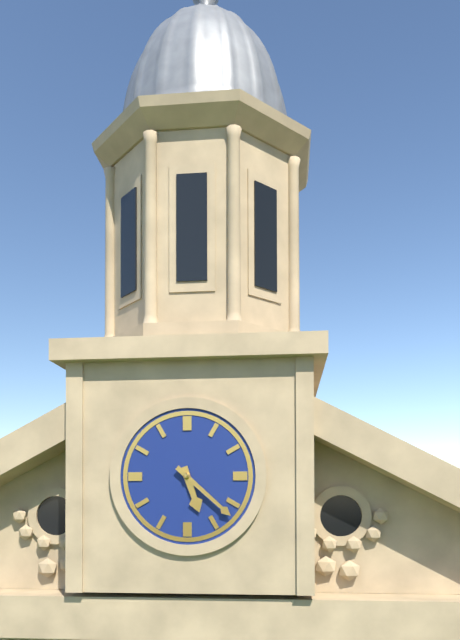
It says 5:22
